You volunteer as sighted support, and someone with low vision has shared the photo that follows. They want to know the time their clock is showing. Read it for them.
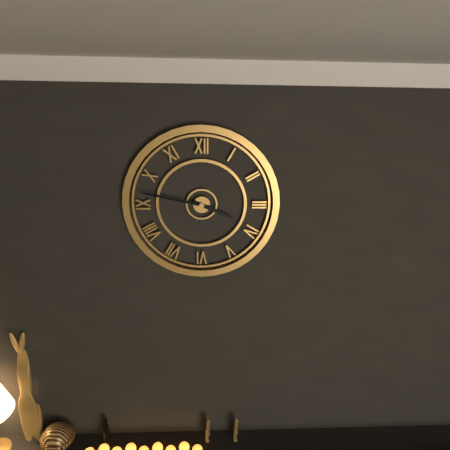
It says 3:47
